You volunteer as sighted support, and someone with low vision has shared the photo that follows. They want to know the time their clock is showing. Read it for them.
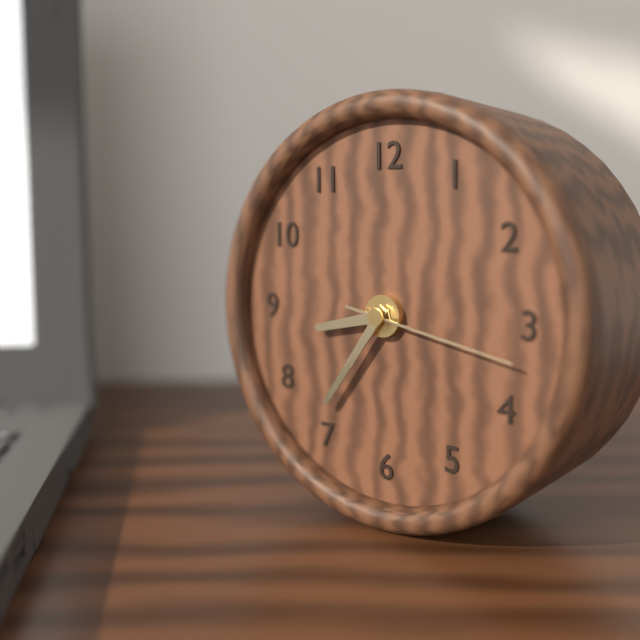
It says 8:36:17
